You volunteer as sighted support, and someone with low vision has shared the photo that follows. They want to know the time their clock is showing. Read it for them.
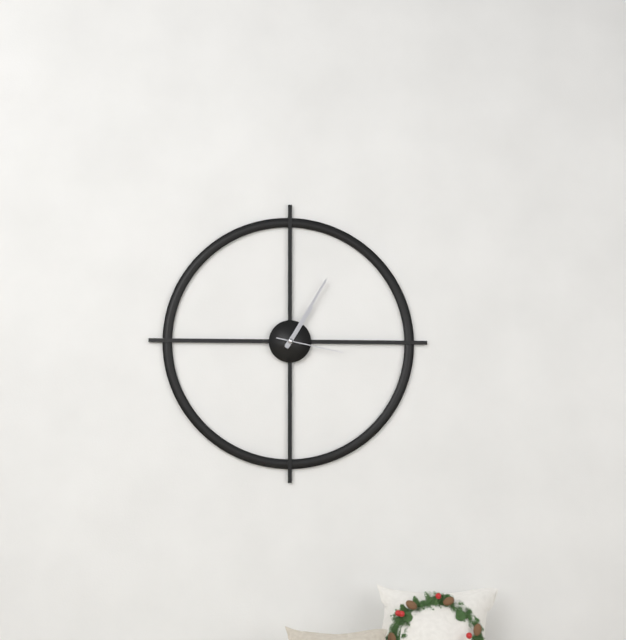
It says 1:05:17
